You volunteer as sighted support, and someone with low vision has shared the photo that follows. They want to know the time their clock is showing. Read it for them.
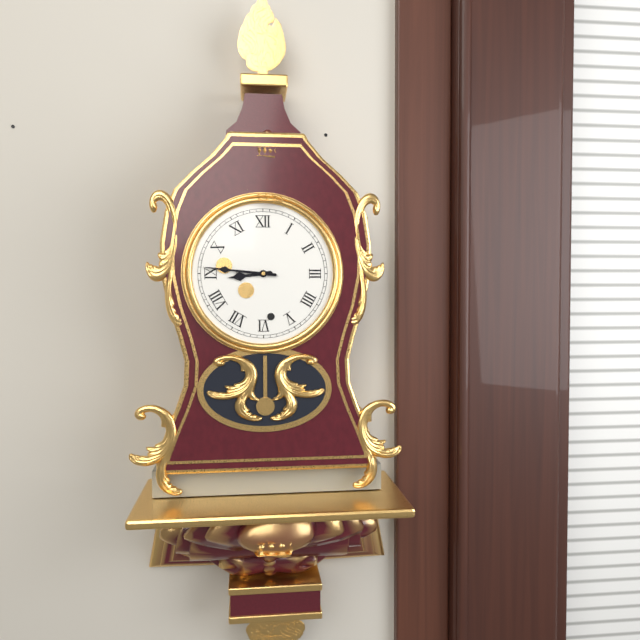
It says 8:46
